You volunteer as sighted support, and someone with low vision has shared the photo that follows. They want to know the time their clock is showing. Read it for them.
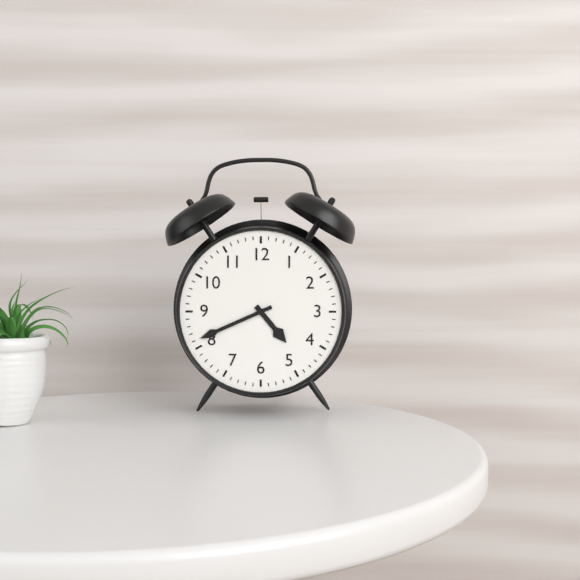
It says 4:41
